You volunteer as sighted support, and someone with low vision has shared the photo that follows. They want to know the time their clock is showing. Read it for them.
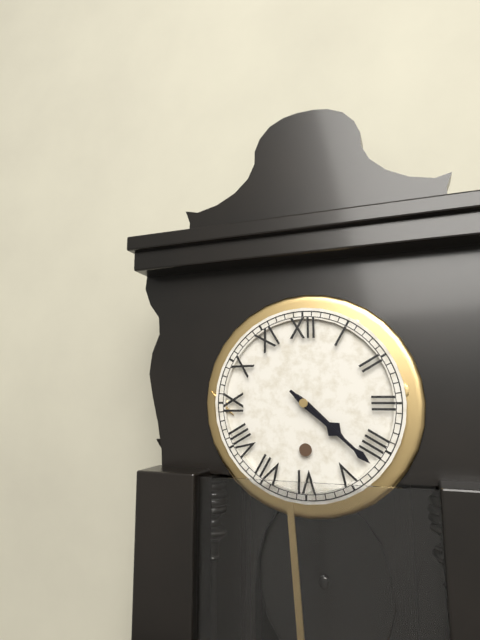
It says 4:22
